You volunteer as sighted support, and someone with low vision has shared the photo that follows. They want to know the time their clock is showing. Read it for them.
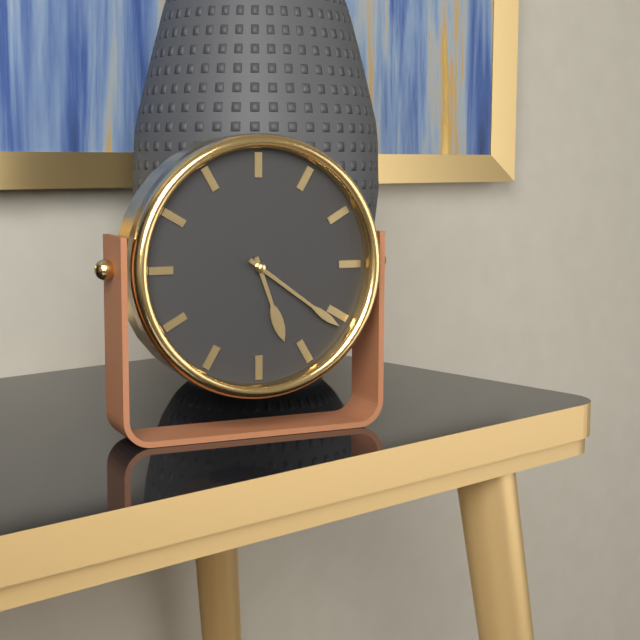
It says 5:21
